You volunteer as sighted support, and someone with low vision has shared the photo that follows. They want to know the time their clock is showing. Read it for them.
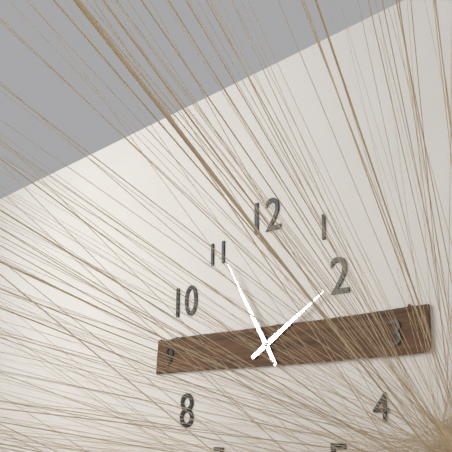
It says 1:55
